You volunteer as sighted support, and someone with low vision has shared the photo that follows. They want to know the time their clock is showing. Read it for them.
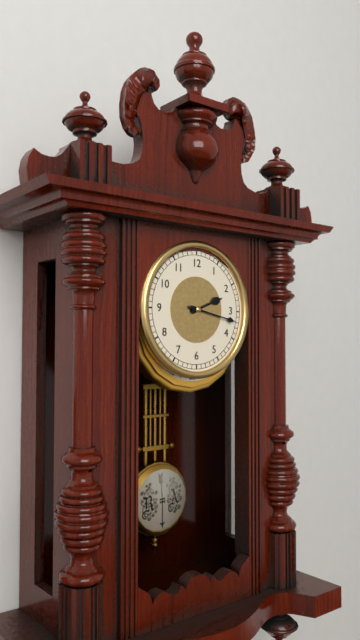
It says 2:17
